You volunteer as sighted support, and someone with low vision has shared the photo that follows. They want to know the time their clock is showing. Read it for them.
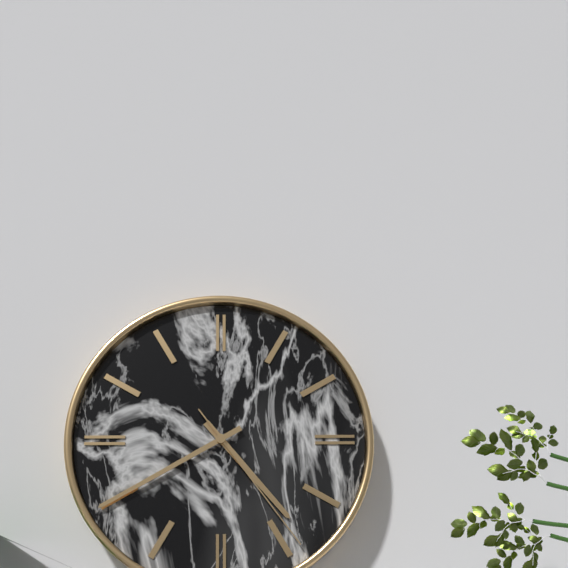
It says 4:40:24
